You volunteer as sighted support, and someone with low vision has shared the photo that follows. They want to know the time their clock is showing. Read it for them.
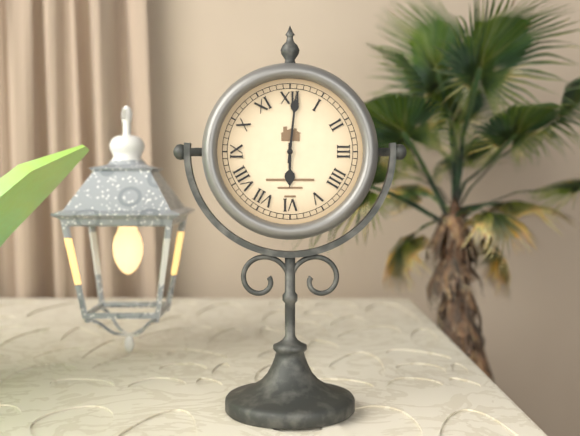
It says 6:01
